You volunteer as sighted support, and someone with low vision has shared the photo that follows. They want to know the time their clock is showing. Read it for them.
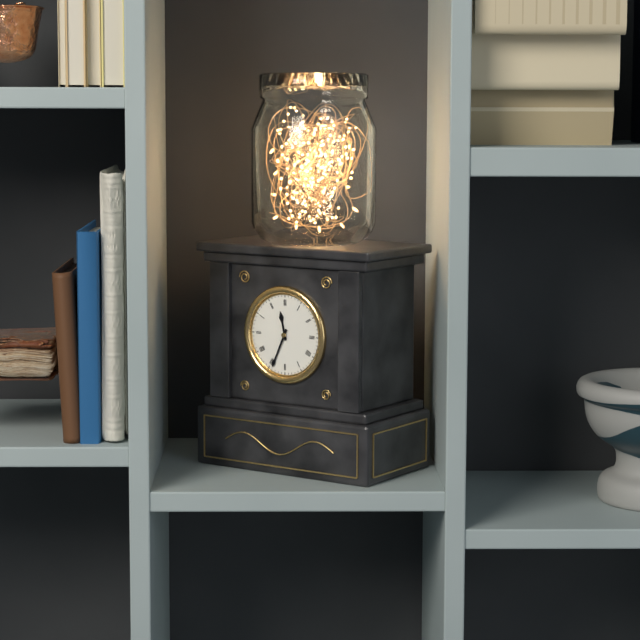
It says 11:34
